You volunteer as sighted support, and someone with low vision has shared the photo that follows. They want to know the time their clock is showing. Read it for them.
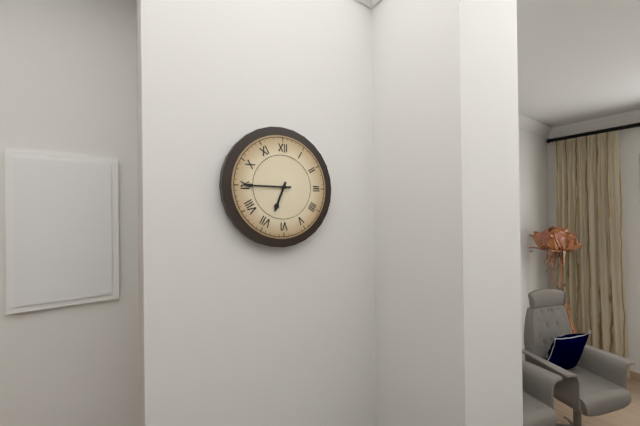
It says 6:45
